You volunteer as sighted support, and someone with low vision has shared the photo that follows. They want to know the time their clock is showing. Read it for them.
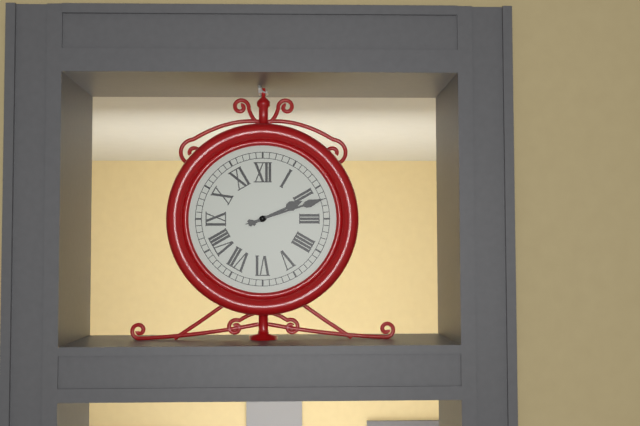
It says 2:12
